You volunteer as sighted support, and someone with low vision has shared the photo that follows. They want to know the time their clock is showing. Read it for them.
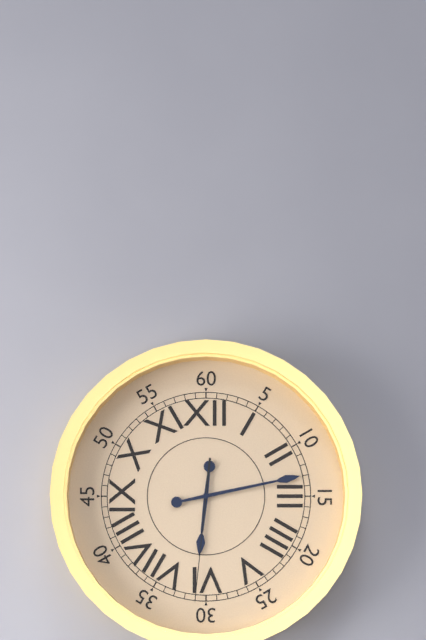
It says 6:13:31
